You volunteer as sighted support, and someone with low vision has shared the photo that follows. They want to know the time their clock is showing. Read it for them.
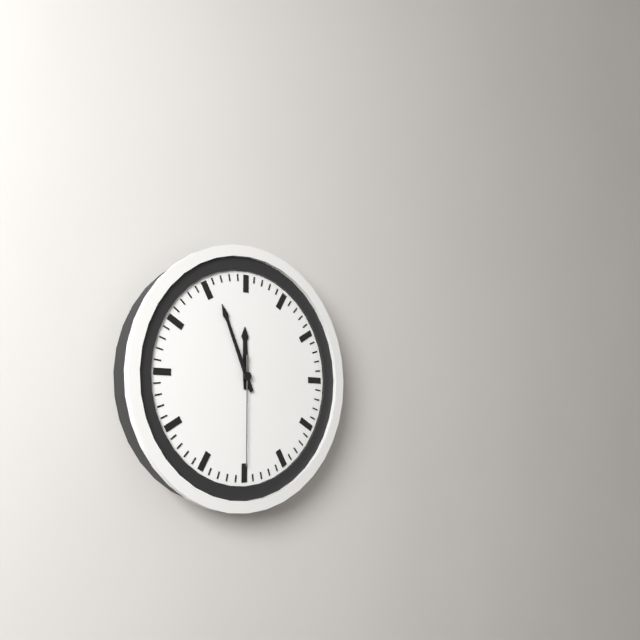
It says 11:56:30
